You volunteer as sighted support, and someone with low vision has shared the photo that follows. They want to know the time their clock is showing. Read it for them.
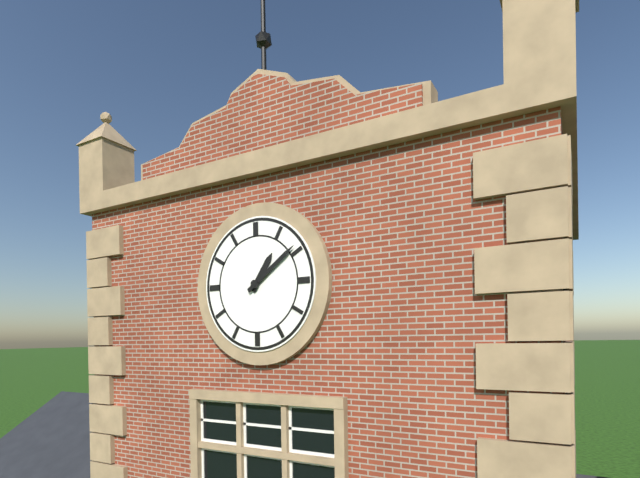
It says 1:09
